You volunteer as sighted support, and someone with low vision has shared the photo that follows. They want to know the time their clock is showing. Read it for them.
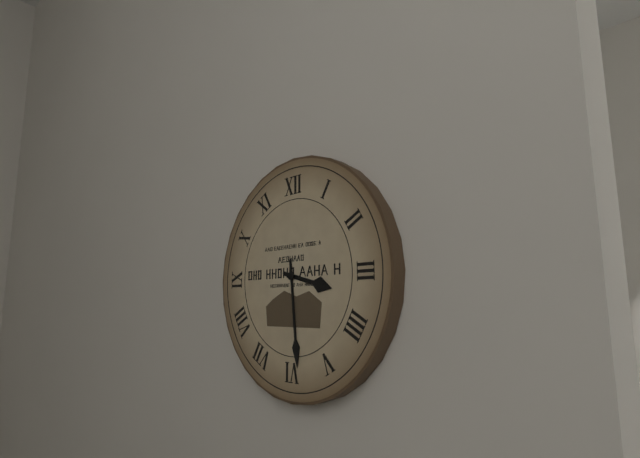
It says 3:29
